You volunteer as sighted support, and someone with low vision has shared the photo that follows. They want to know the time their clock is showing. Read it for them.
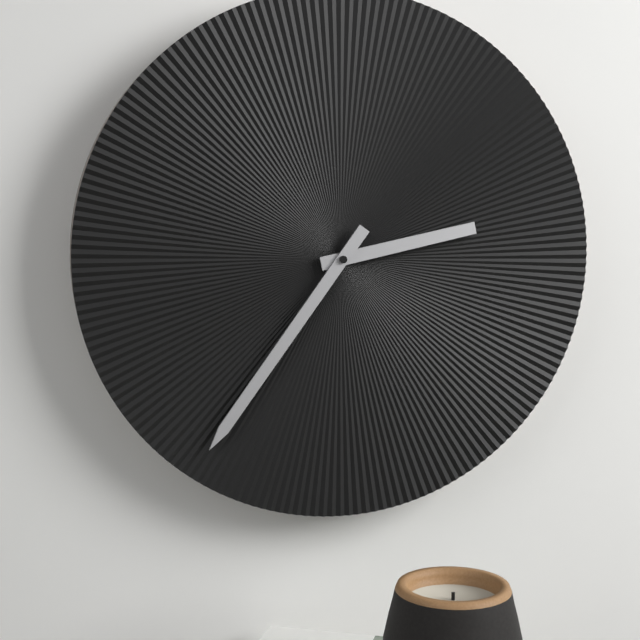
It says 2:36
